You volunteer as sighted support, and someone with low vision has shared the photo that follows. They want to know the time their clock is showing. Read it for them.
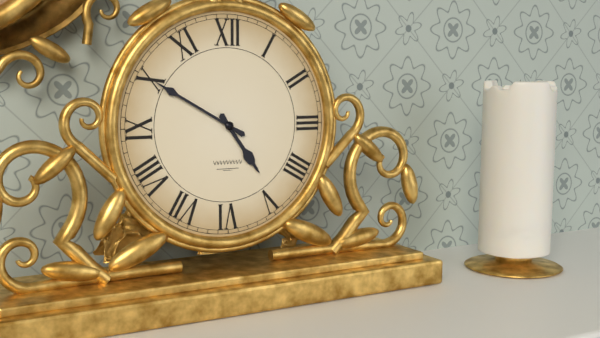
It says 4:50
